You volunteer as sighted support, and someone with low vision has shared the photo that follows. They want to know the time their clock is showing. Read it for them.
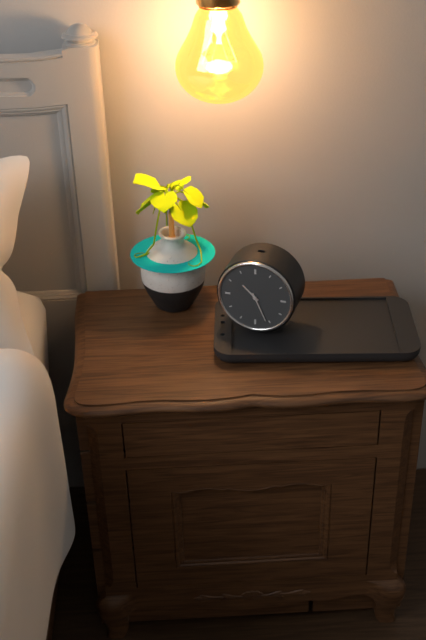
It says 10:26
